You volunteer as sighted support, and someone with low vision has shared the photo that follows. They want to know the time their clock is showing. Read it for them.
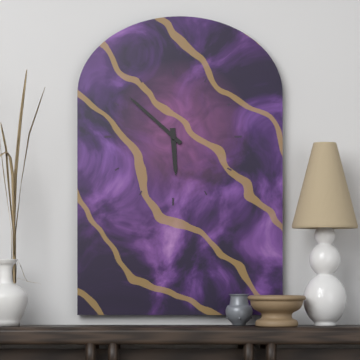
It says 5:52
